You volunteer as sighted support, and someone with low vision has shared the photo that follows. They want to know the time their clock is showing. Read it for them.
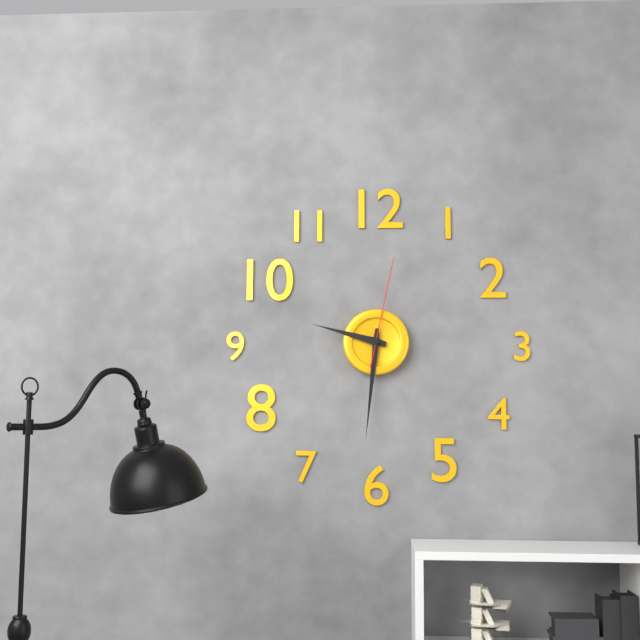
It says 9:31:02
